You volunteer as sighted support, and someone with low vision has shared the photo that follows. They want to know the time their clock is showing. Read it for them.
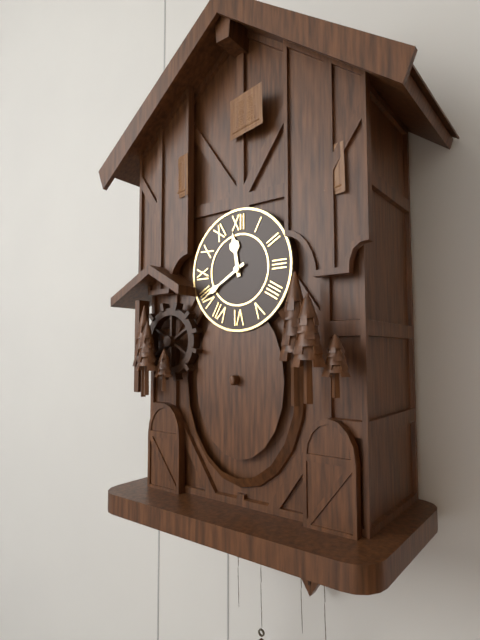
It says 11:40
